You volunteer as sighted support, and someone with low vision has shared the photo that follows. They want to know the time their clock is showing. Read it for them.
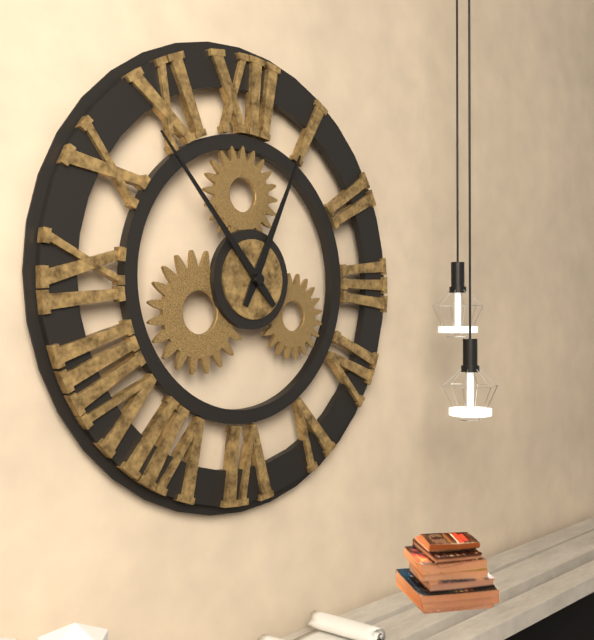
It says 12:53
